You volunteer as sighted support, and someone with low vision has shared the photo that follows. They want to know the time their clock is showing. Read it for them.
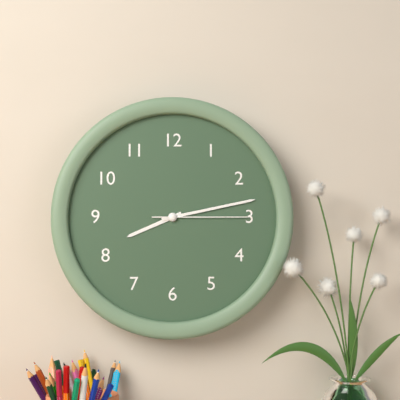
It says 8:13:15
